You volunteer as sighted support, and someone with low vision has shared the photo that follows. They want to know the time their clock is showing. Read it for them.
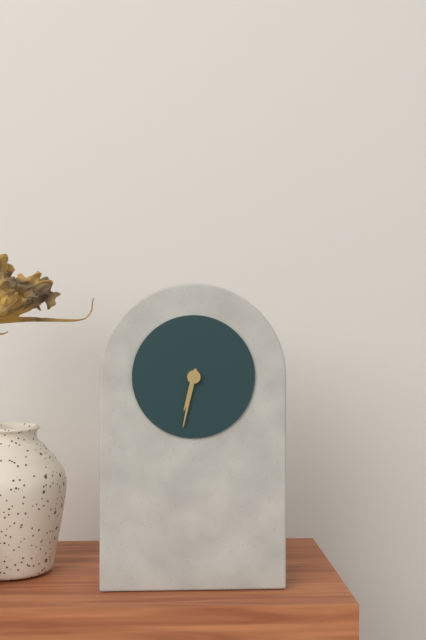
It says 6:32
